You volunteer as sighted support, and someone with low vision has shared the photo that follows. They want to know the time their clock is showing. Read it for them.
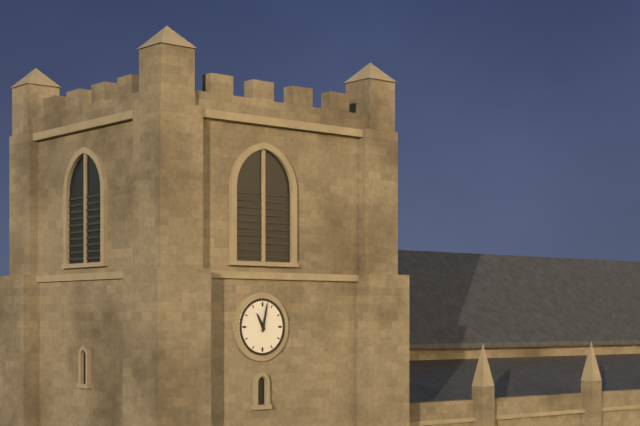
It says 11:02
